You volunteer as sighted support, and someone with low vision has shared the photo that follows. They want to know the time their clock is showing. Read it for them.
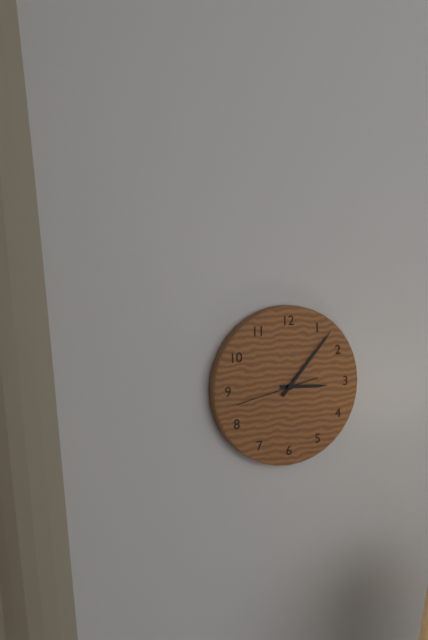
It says 3:07:43
